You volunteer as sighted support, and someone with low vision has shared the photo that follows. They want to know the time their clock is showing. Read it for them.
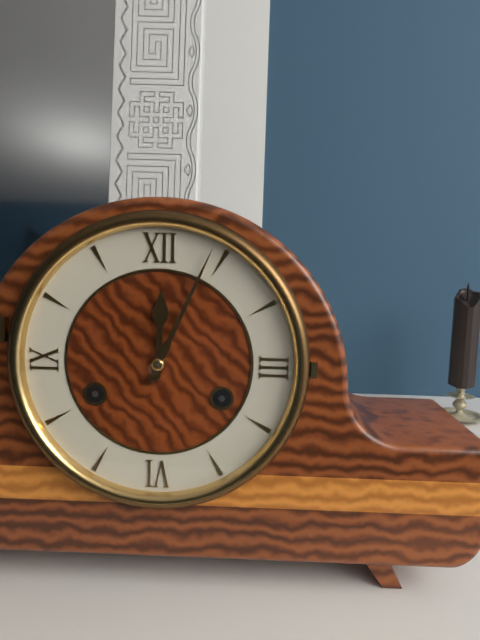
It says 12:04
